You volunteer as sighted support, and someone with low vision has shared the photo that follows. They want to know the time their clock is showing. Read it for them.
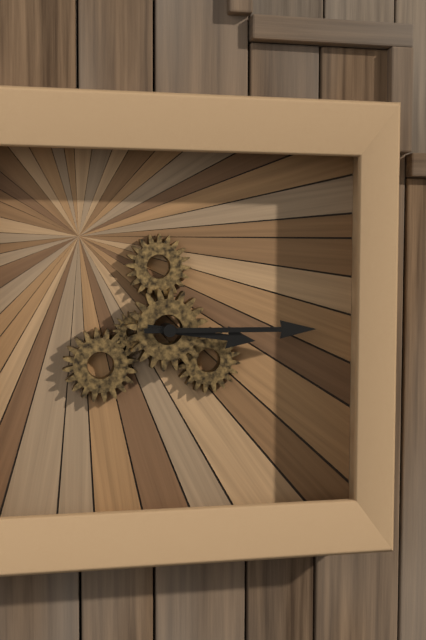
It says 3:15
